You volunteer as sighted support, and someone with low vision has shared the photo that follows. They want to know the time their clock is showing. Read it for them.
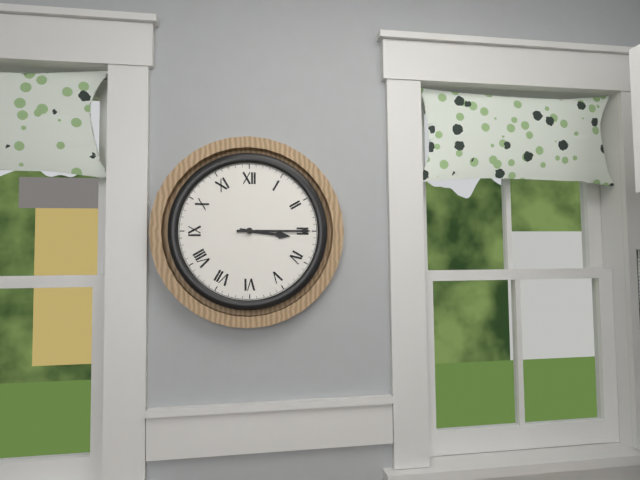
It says 3:15
